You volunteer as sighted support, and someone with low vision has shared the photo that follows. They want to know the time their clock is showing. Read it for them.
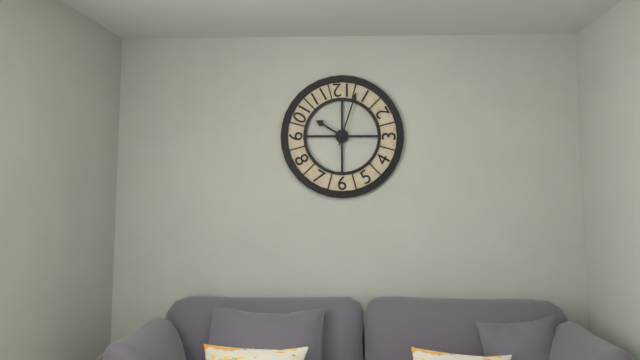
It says 10:03
